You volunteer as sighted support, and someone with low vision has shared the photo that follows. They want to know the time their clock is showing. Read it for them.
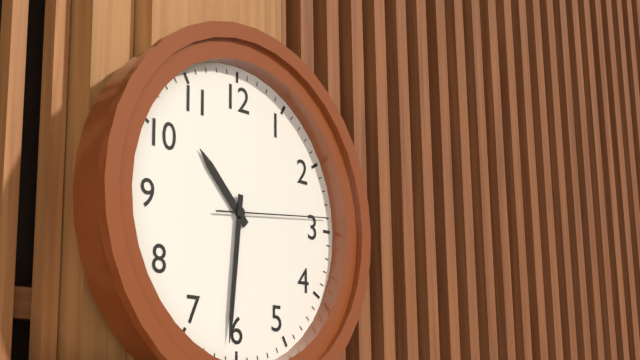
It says 10:31:14
